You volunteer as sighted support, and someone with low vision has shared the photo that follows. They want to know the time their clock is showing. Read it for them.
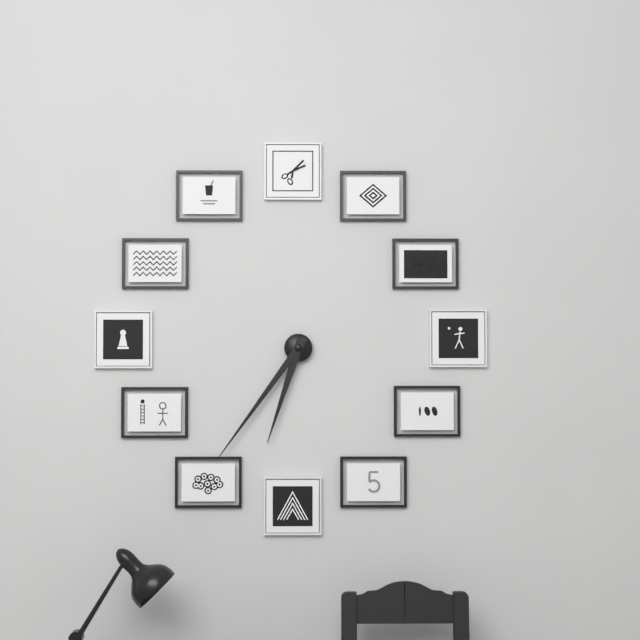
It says 6:36
